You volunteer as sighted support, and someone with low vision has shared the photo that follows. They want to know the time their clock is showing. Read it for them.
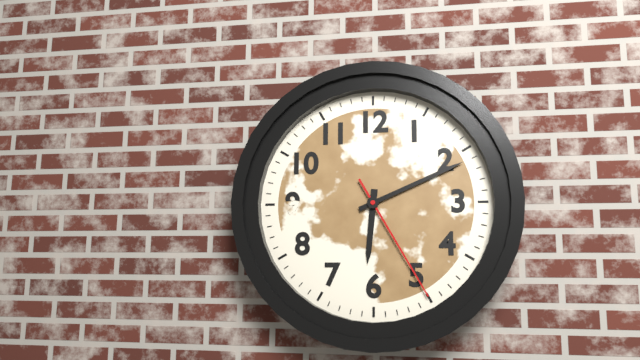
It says 6:11:25
